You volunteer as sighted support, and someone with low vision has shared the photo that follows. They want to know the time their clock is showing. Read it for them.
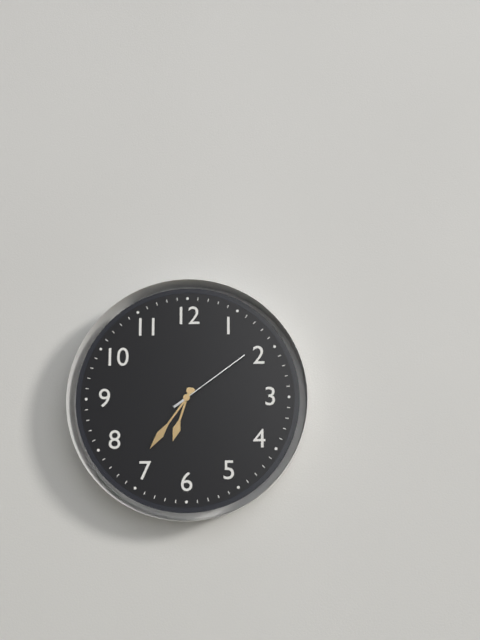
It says 6:36:09
